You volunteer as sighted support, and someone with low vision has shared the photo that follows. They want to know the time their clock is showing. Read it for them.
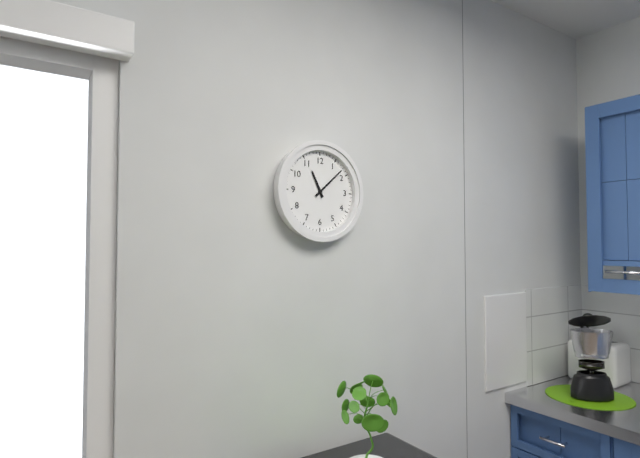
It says 11:08
